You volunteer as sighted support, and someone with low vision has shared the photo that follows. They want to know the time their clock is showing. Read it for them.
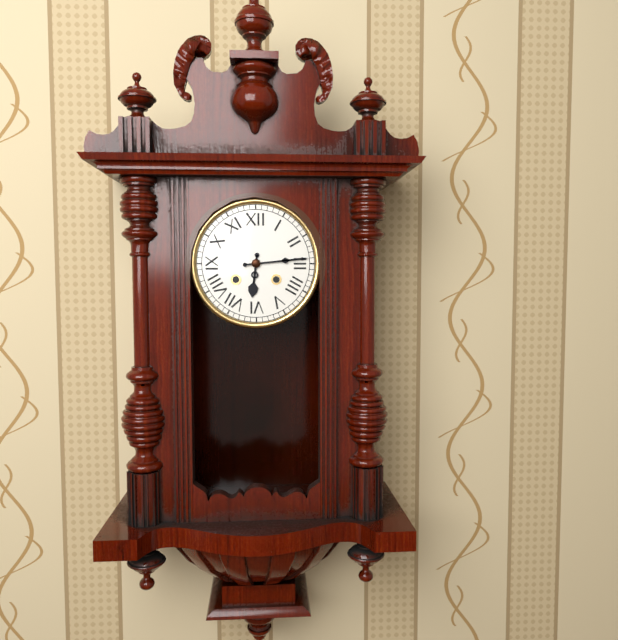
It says 6:14
